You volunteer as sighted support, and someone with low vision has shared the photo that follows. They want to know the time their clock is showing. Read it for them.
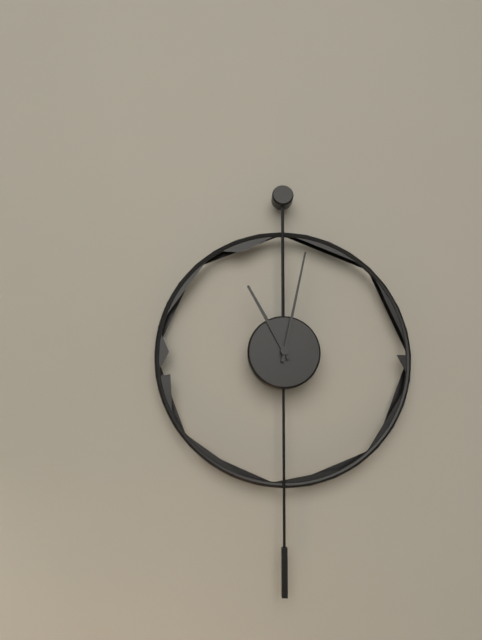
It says 11:02
